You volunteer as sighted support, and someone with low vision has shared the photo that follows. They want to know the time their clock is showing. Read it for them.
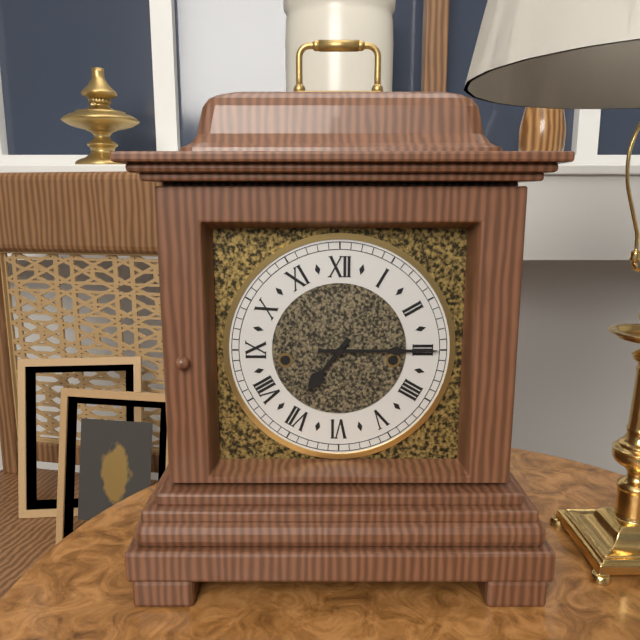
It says 7:15
